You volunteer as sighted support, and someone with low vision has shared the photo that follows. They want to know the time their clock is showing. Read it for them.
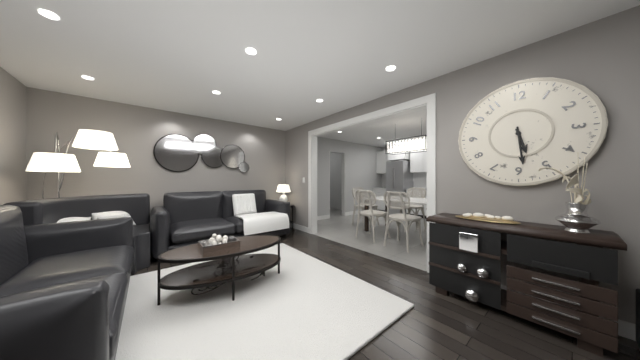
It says 5:29
